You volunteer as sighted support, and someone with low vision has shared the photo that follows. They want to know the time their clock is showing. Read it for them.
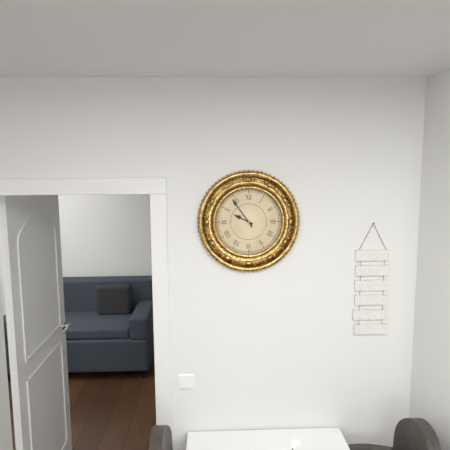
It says 9:54
